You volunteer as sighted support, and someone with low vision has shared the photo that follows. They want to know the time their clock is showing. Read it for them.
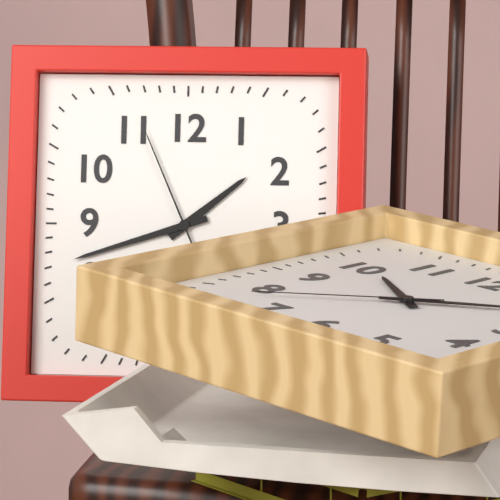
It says 1:42:56
